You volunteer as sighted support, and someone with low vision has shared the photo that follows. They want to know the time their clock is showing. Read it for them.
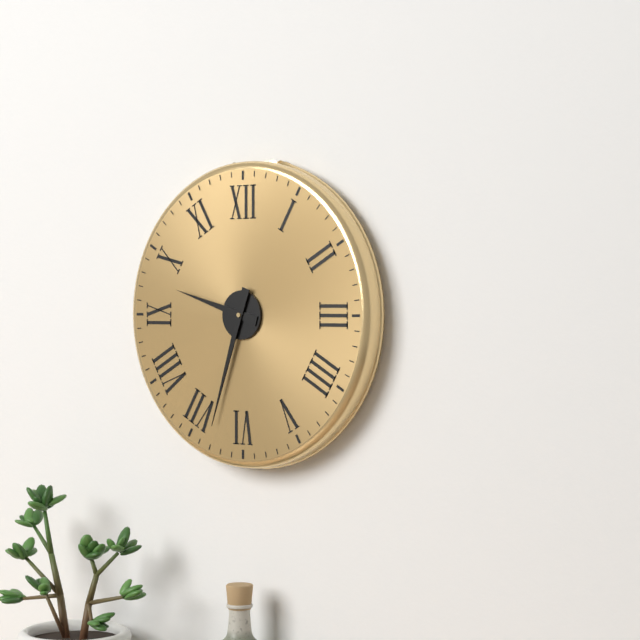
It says 9:33
